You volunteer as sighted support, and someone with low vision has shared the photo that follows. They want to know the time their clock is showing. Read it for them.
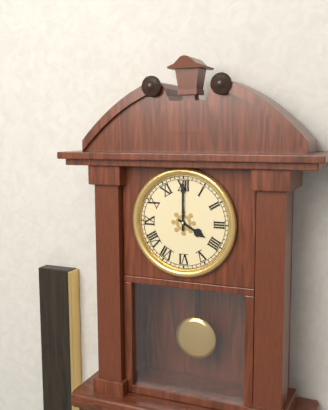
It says 4:00
